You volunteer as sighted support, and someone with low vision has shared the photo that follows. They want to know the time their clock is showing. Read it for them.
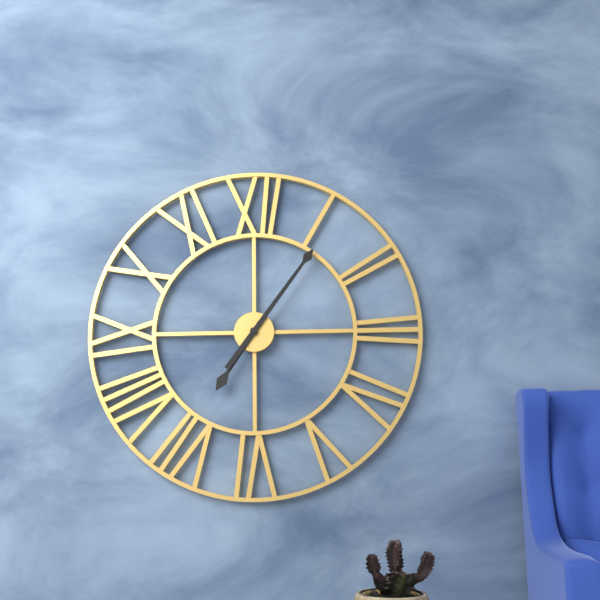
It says 7:06
